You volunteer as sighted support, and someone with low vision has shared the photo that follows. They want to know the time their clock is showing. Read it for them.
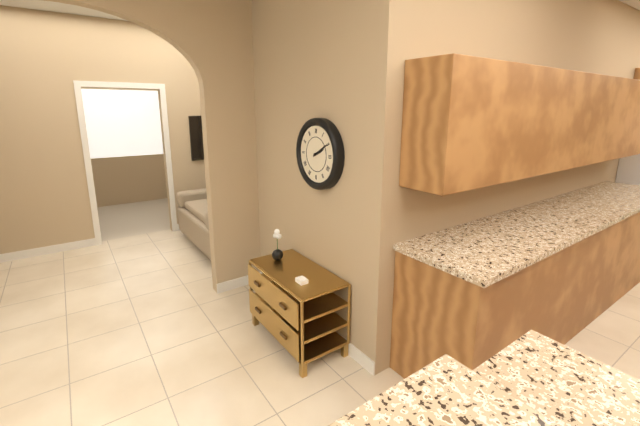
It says 2:10
